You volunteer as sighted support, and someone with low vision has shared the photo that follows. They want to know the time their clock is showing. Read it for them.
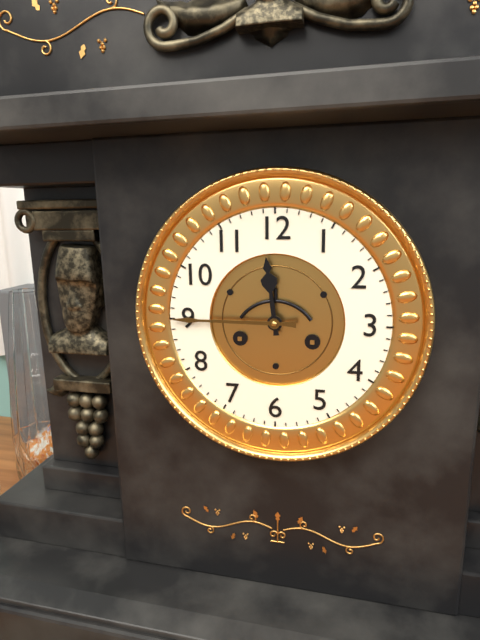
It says 11:45
